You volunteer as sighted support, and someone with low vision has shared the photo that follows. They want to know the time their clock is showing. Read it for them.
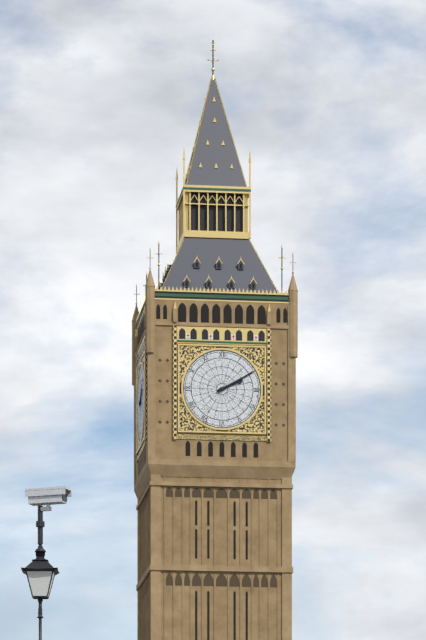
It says 2:10
